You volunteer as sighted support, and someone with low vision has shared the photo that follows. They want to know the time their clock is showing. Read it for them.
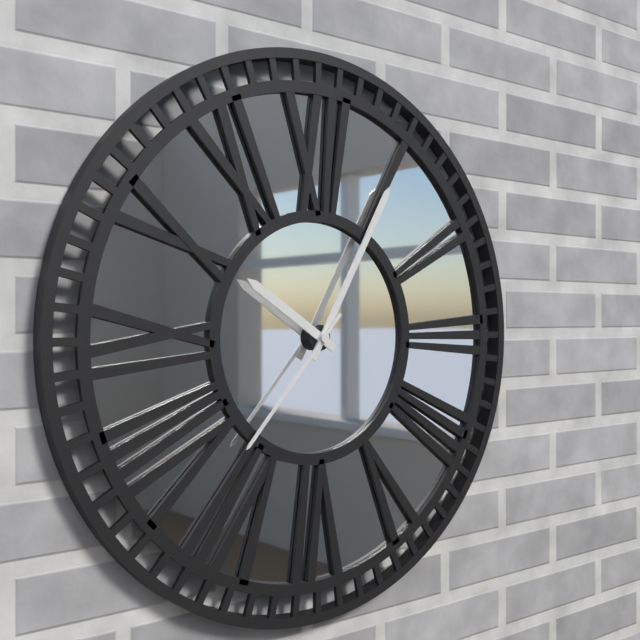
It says 10:05:37
